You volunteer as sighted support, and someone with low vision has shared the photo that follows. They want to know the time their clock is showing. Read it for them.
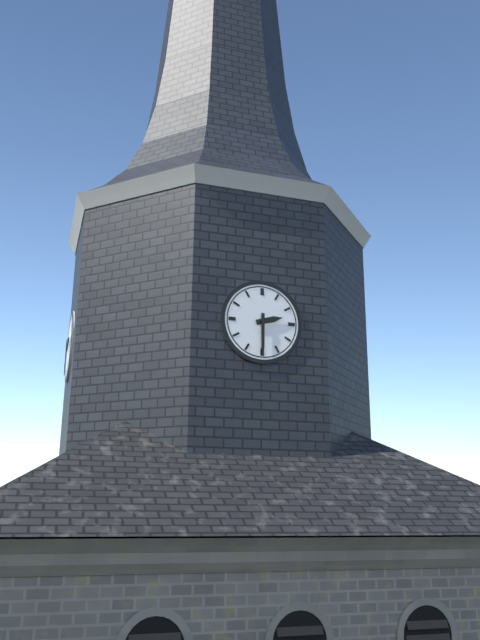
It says 2:30
